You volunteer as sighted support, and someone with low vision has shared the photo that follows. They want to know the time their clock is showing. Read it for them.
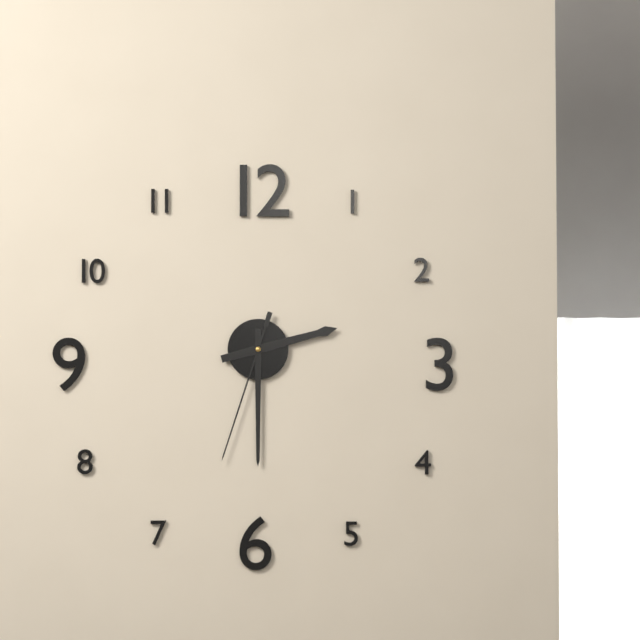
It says 2:30:33
